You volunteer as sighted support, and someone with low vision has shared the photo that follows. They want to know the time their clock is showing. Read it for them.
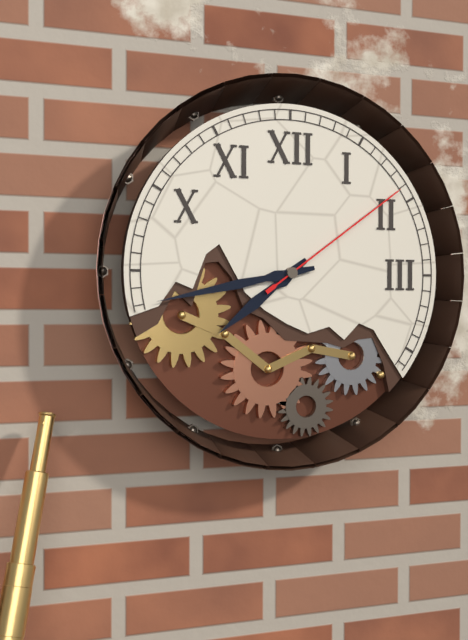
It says 7:43:09
